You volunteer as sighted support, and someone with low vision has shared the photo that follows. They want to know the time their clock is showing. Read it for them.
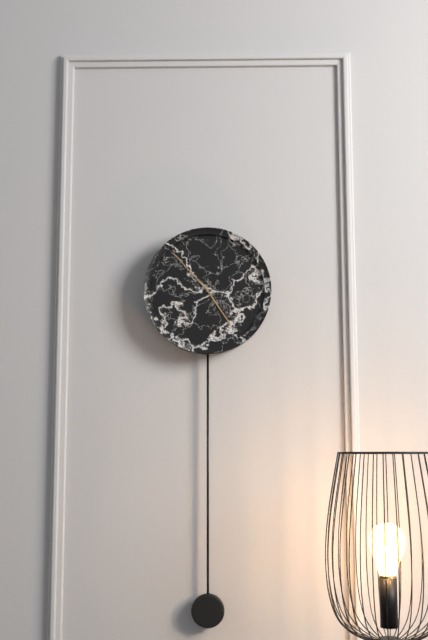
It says 4:53
